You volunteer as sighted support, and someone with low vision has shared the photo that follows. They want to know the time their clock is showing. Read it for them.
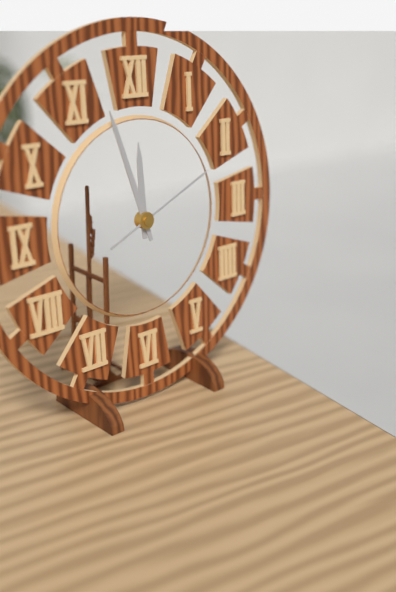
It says 11:57:11
